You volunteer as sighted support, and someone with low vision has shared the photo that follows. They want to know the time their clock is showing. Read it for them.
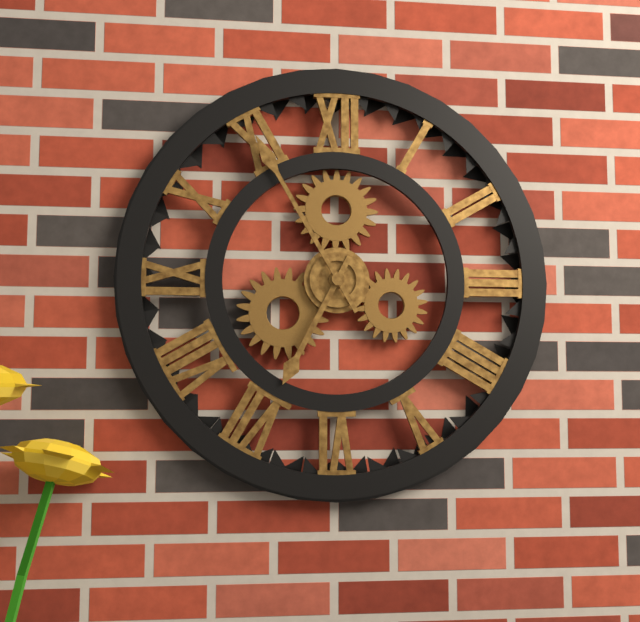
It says 6:55
